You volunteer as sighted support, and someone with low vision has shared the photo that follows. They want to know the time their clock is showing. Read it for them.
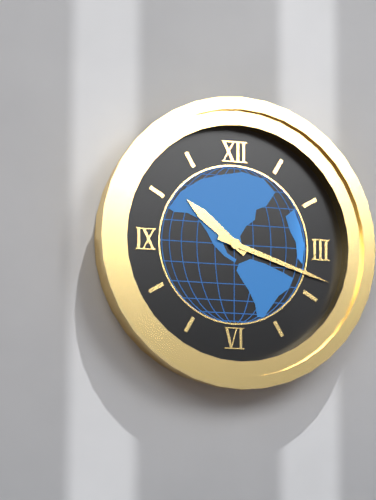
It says 10:18
